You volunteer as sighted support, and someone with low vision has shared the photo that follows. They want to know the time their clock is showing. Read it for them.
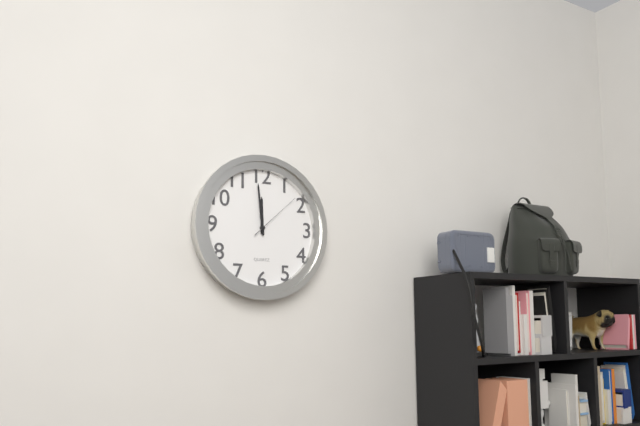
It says 11:59:08
